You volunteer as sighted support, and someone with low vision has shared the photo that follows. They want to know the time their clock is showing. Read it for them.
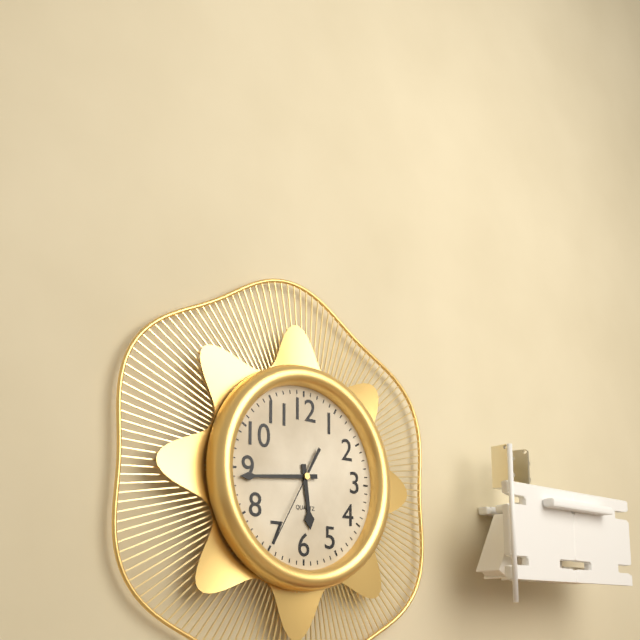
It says 5:44:35
